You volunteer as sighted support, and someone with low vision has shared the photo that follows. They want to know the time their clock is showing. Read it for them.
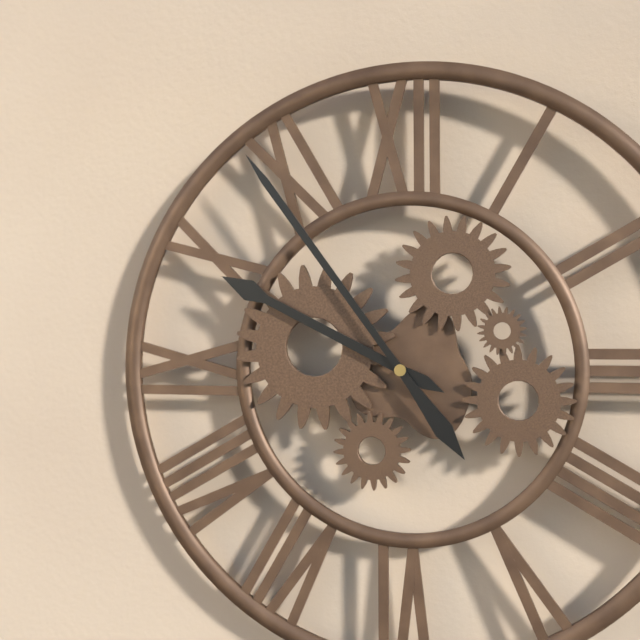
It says 9:54
